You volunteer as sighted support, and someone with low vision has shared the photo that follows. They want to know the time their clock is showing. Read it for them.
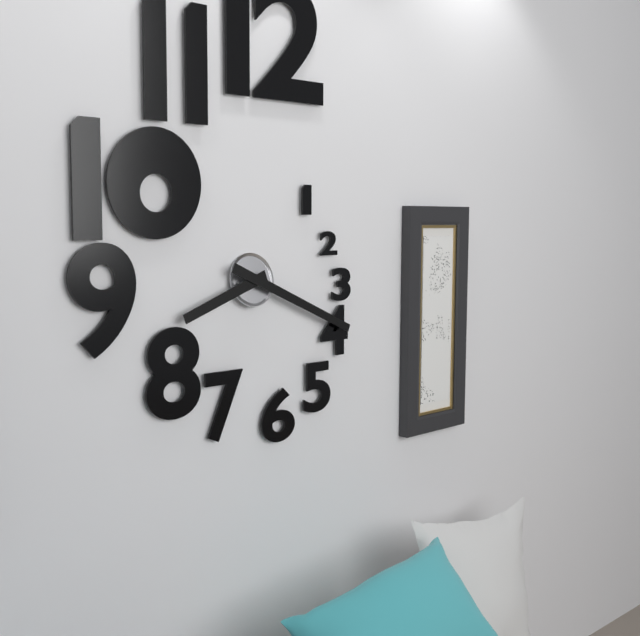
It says 8:19
